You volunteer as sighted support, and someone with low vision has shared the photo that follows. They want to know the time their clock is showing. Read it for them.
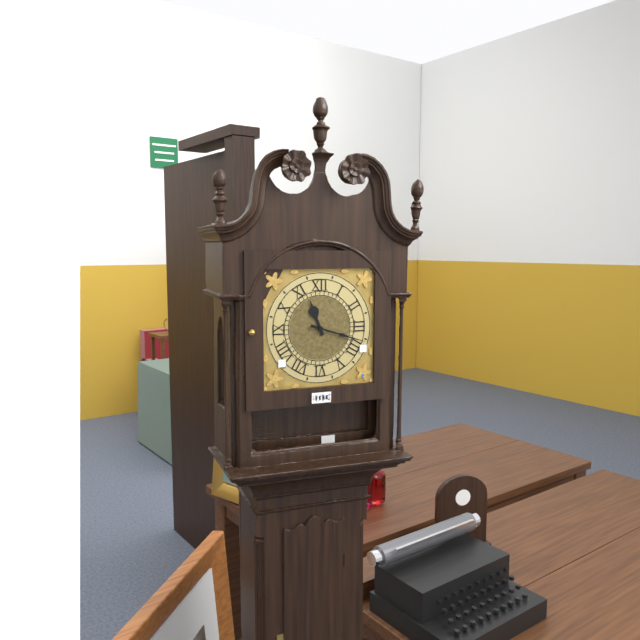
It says 11:18
